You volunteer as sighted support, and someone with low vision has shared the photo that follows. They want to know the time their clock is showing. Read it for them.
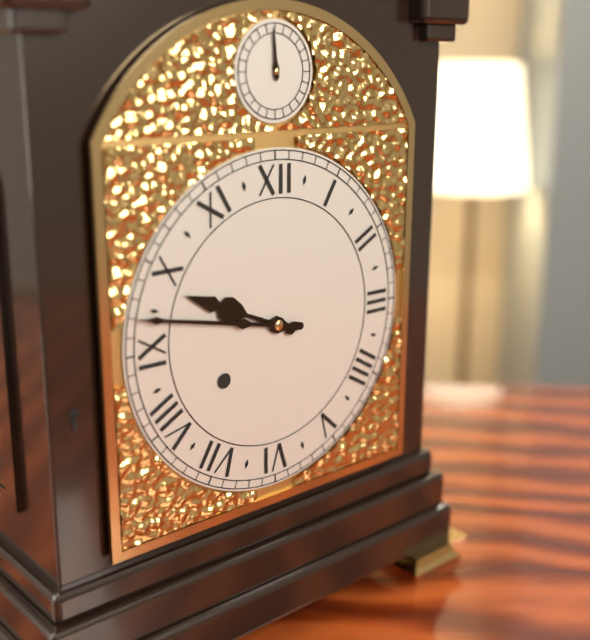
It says 9:47
